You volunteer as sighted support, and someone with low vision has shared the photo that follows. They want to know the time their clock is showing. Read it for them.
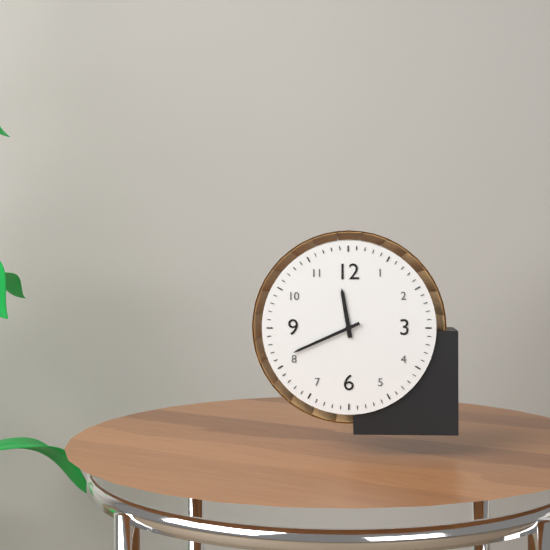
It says 11:41
